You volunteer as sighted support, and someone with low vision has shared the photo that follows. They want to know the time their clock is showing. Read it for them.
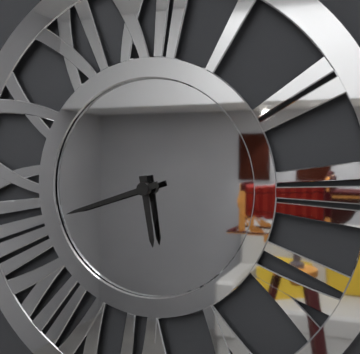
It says 5:42
